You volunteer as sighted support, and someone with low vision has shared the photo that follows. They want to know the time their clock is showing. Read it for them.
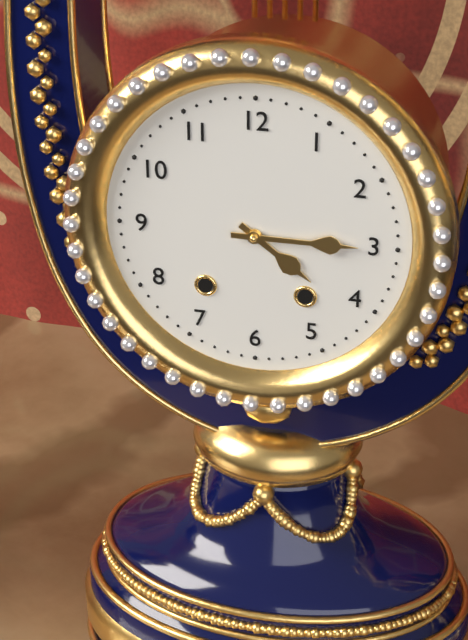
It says 4:15
